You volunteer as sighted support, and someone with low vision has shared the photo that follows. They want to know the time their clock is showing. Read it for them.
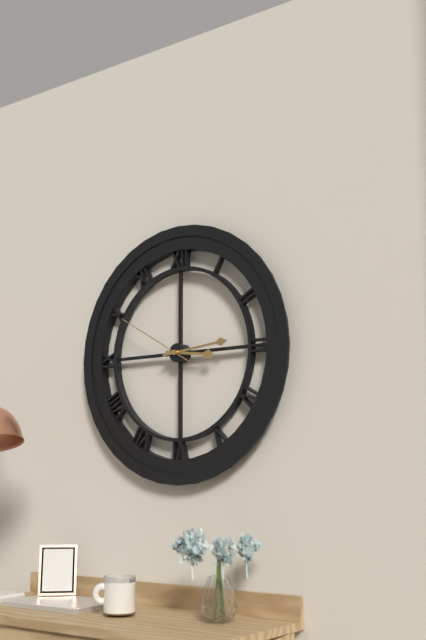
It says 3:14:50
